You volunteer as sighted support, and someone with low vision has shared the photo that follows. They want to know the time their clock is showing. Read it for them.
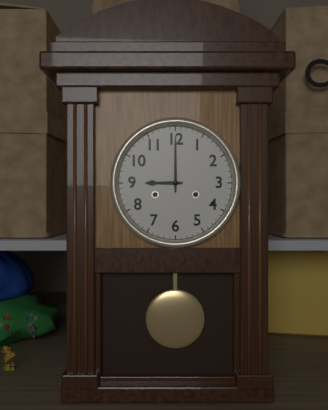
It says 9:00
